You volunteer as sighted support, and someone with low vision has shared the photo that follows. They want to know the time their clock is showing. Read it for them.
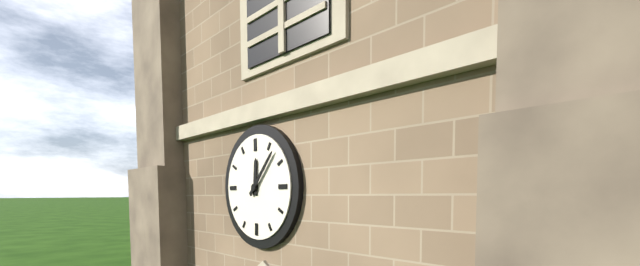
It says 12:07
